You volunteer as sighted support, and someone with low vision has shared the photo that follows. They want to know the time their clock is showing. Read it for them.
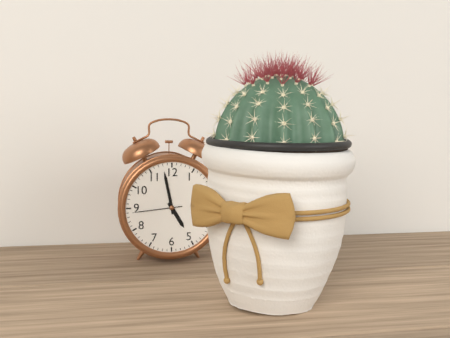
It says 4:58:44
